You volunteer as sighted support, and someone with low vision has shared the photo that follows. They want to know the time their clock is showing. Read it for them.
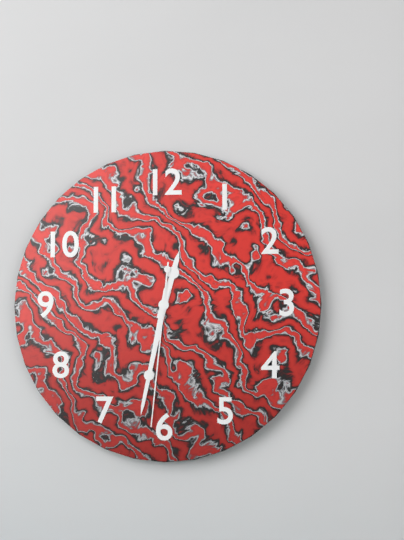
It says 12:32:31
